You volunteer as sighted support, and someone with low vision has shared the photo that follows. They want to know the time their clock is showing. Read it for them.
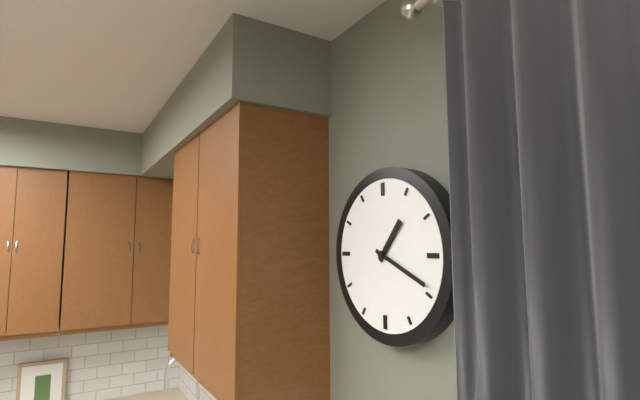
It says 1:19
